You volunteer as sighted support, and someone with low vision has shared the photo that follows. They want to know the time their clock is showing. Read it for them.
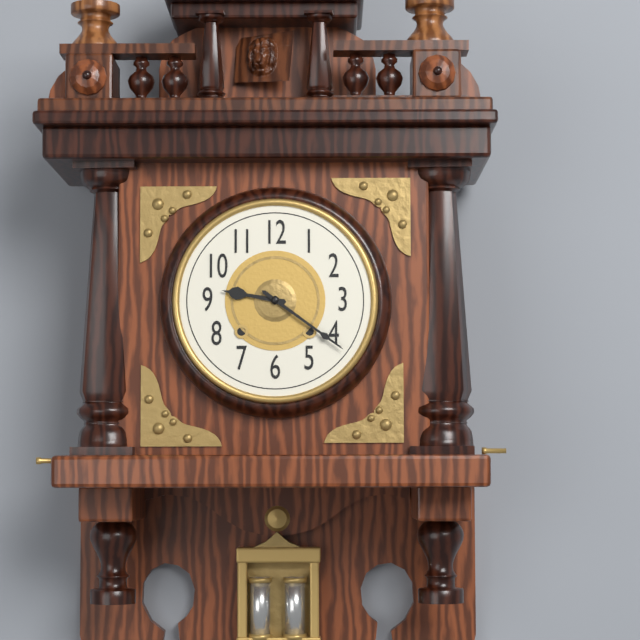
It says 9:21
